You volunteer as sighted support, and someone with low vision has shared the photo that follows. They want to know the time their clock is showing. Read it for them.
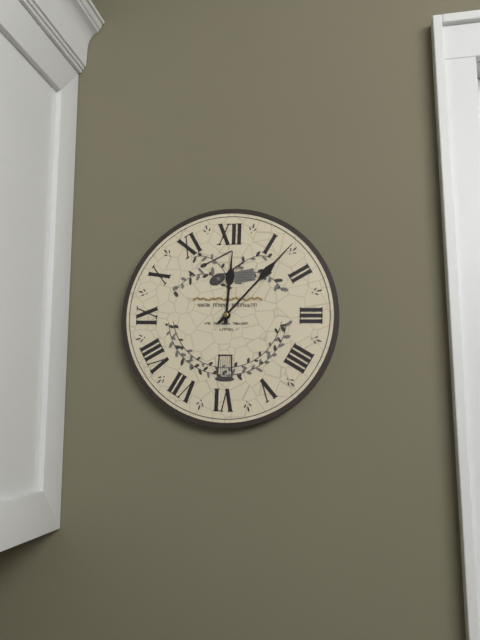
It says 12:07
